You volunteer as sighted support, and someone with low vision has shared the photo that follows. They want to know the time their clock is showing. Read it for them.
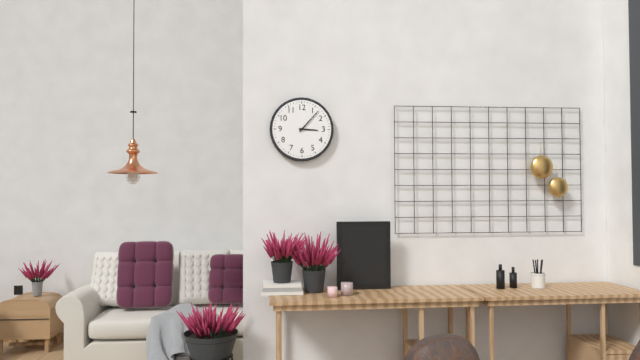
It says 3:07
